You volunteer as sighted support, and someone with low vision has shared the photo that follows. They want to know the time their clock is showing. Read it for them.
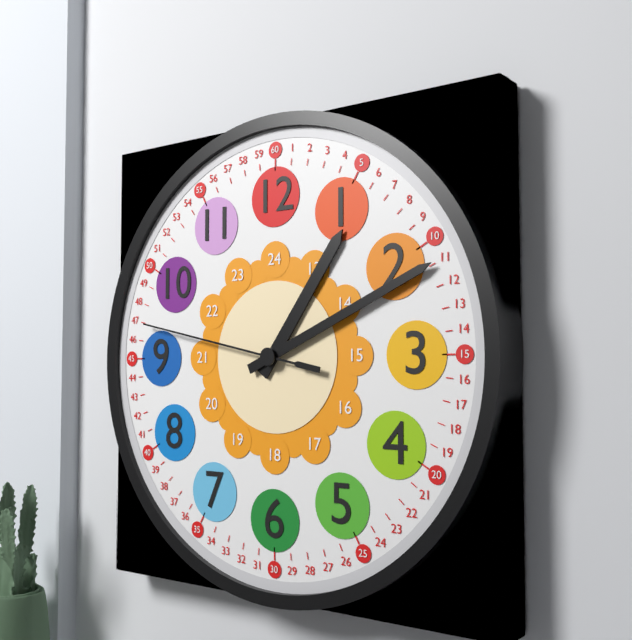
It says 1:11:47
